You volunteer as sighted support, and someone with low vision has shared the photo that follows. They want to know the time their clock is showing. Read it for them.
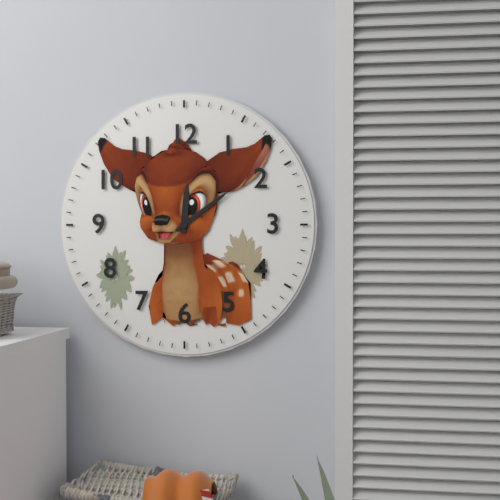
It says 12:09
